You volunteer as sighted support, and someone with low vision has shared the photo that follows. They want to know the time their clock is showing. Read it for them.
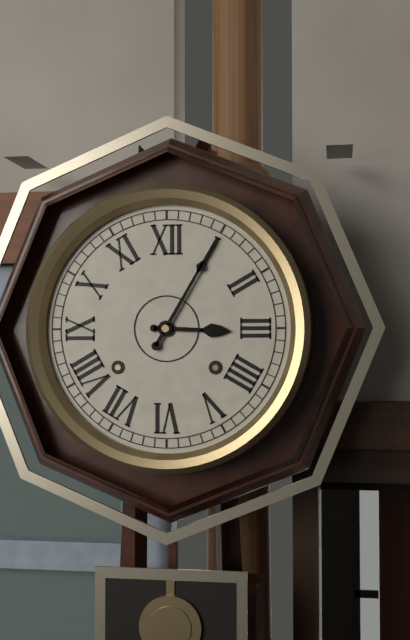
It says 3:05
